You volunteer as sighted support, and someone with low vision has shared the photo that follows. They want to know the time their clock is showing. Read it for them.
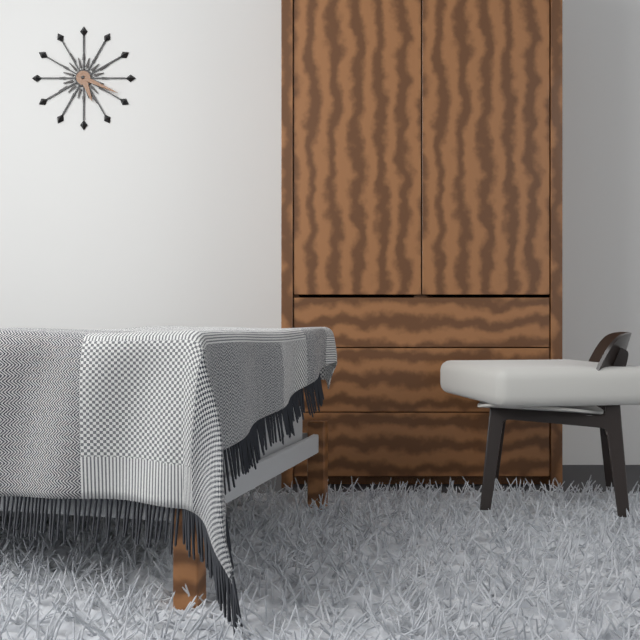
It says 5:19
